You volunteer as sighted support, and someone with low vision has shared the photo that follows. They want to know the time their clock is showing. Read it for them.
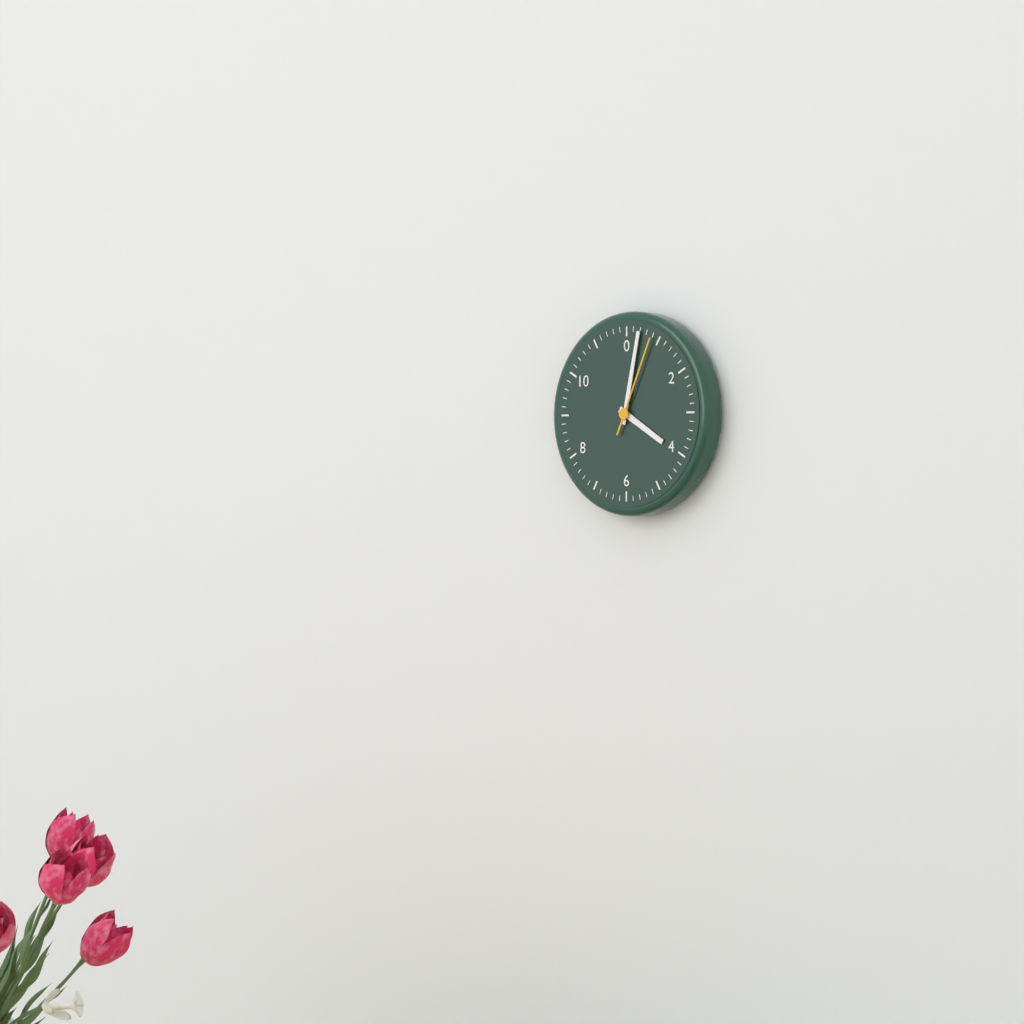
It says 4:02:04
